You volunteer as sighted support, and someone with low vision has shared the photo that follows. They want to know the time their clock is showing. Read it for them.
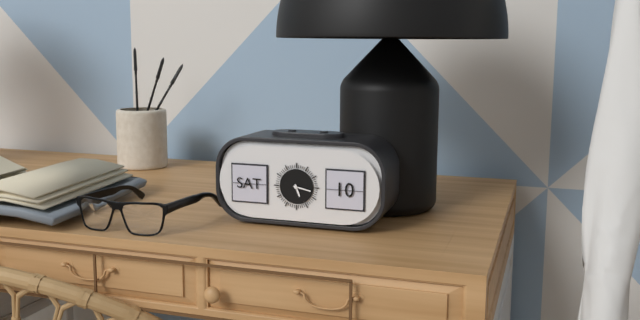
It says 5:17
